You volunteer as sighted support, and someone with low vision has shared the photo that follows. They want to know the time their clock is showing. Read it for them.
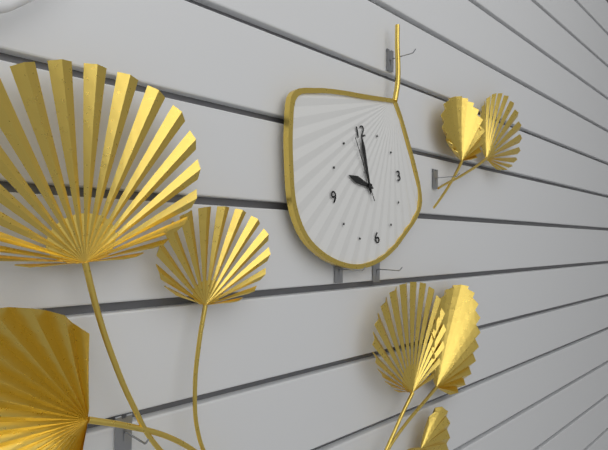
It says 10:00:58
